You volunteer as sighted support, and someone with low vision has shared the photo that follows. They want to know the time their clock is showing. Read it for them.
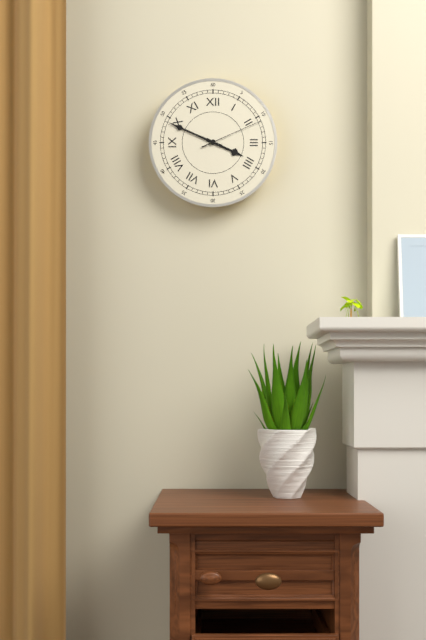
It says 3:49:11
